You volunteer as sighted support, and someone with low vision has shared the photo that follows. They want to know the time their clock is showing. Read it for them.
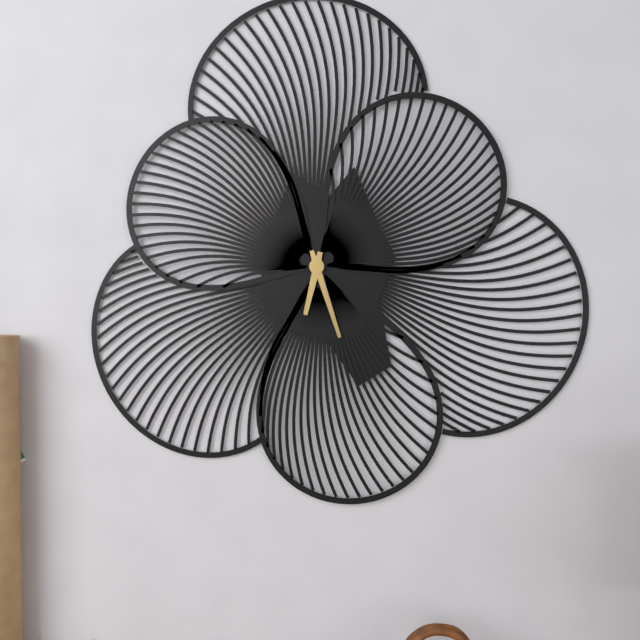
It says 6:27
